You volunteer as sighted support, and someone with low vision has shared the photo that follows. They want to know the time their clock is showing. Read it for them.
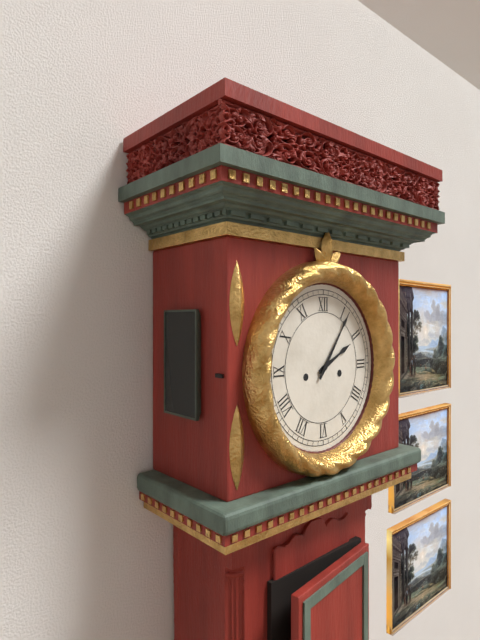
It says 2:06
